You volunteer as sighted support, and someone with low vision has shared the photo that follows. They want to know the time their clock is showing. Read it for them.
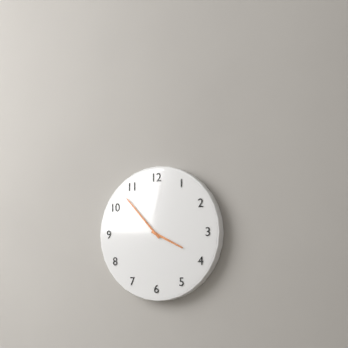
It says 3:53
